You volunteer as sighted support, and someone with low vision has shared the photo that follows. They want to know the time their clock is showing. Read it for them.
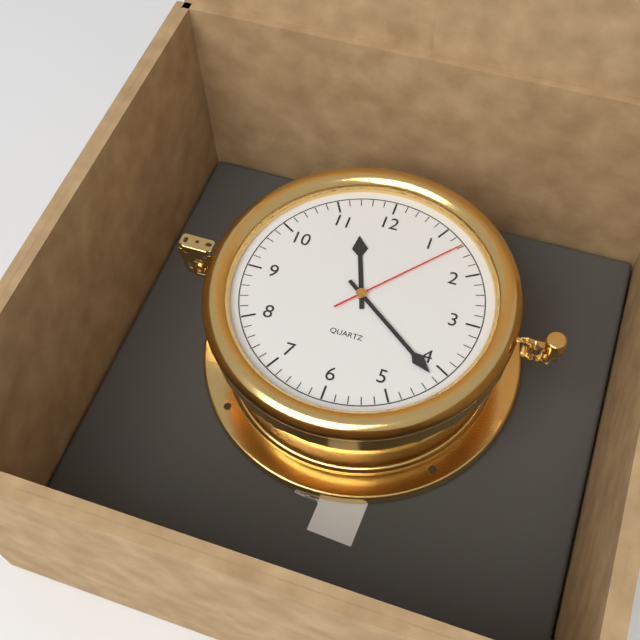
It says 11:21:07
